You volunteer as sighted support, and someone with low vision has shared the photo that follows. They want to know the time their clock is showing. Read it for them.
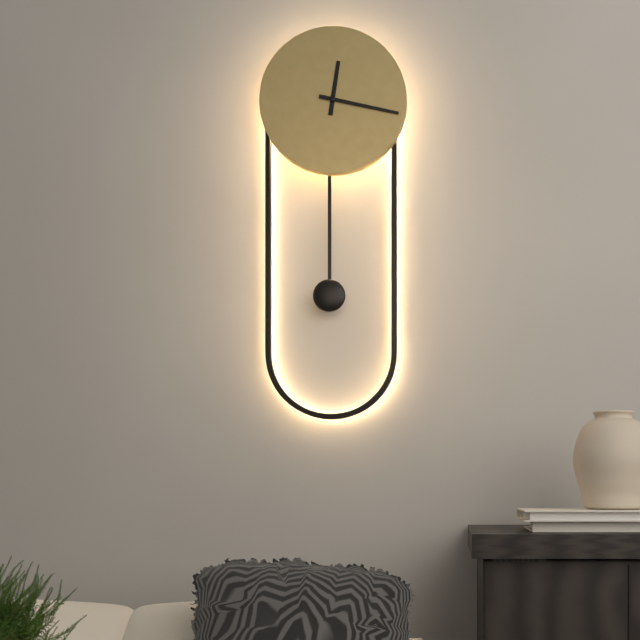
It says 12:17
